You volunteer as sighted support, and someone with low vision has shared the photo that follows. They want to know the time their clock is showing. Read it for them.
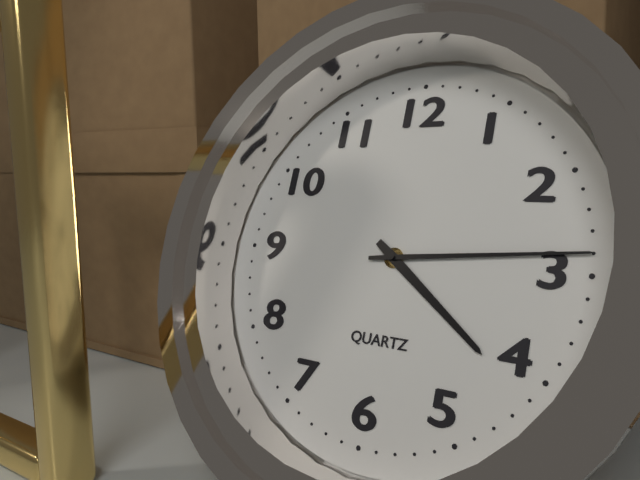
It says 4:14
